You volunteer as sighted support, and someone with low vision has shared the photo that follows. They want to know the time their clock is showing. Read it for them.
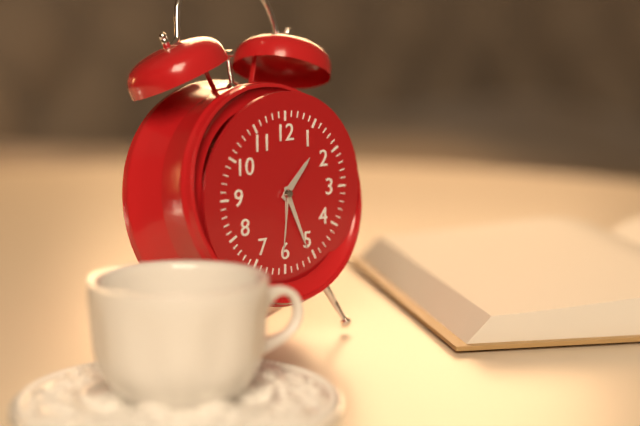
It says 1:26:31
